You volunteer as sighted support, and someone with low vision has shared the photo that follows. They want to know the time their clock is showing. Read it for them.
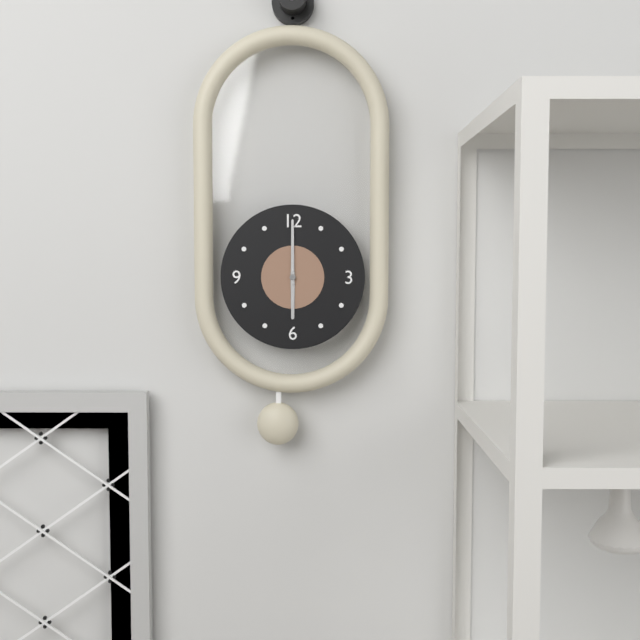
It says 6:00
